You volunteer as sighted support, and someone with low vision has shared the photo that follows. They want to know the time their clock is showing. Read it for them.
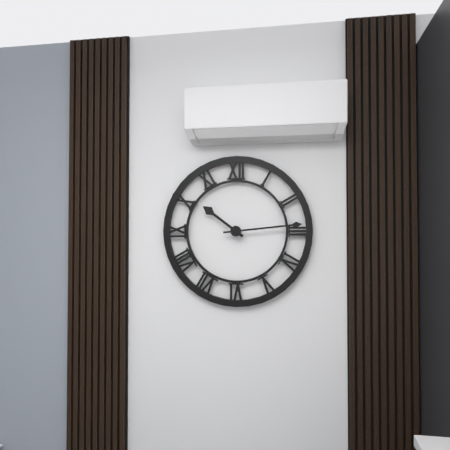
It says 10:14
